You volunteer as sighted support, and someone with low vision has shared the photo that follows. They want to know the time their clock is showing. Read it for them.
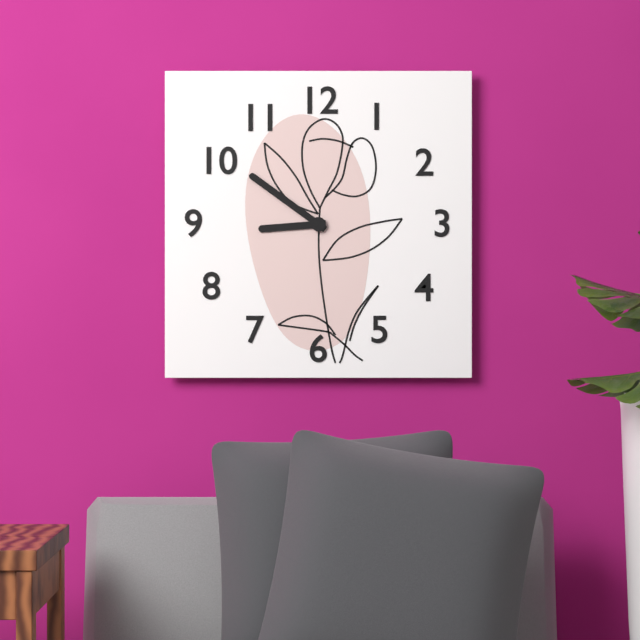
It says 8:51
